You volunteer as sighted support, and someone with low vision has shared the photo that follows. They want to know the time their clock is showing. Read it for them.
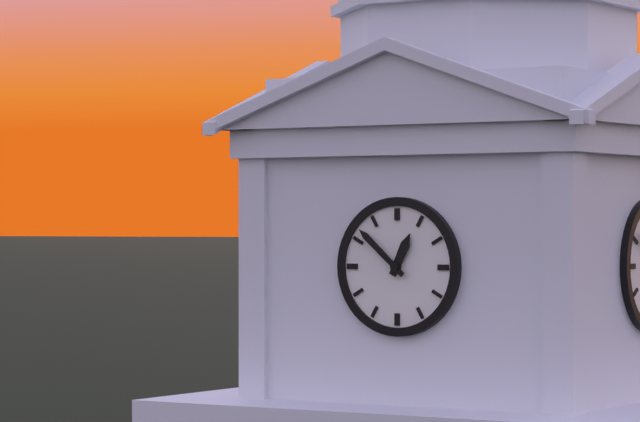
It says 12:52
